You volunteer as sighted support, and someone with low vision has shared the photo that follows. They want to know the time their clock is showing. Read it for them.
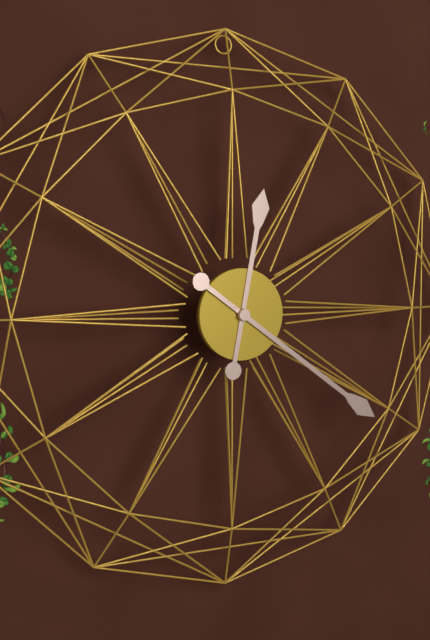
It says 12:21
